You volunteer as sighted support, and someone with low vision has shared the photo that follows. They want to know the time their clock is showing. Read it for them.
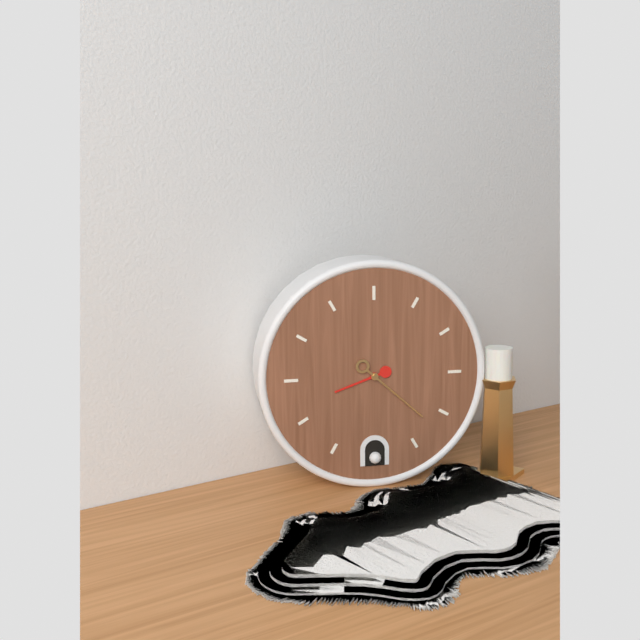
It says 8:22
